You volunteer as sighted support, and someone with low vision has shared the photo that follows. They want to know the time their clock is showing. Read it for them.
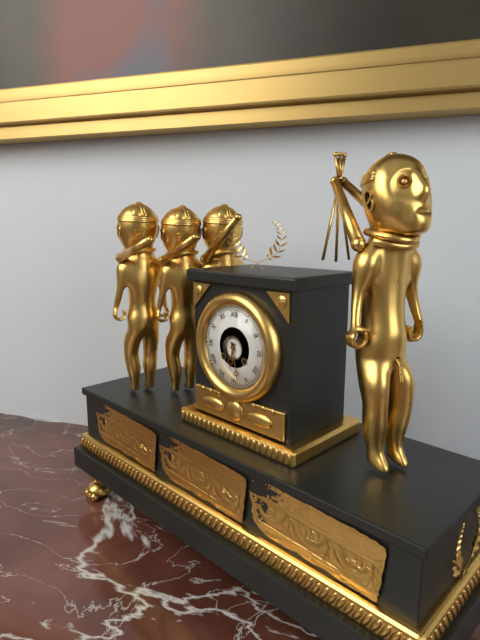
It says 6:28
